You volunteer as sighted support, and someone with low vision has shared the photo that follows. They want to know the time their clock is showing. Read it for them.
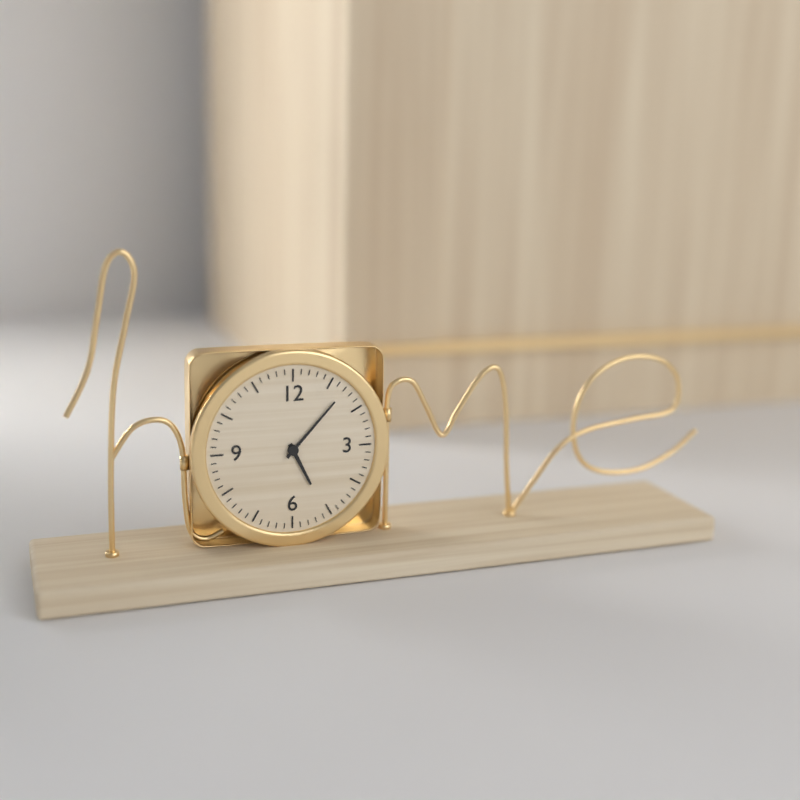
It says 5:07
